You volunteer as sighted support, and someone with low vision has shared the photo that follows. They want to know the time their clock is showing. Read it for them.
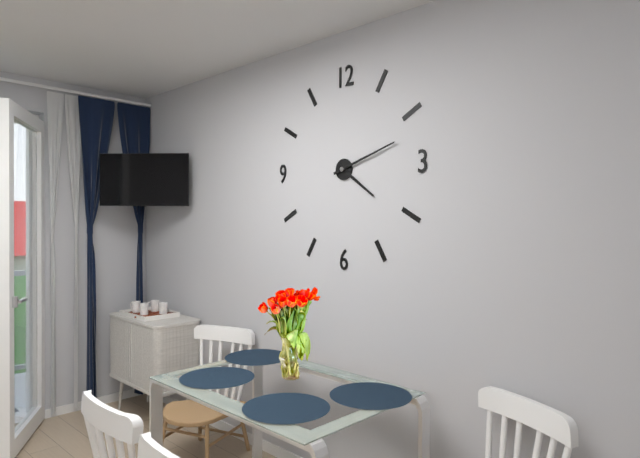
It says 4:12
